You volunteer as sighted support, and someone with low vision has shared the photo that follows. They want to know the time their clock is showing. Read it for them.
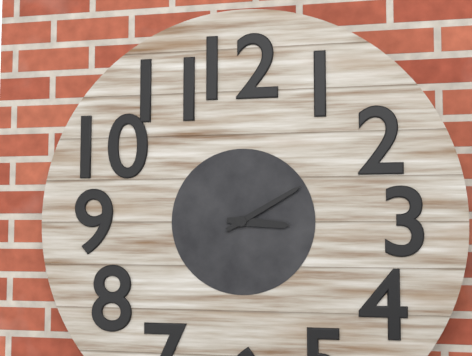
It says 3:10
